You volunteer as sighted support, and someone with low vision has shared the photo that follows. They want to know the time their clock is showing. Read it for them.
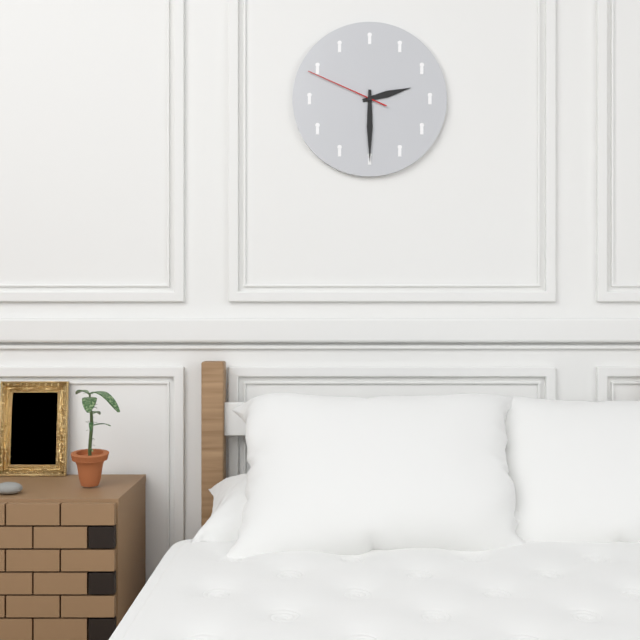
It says 2:30:49
